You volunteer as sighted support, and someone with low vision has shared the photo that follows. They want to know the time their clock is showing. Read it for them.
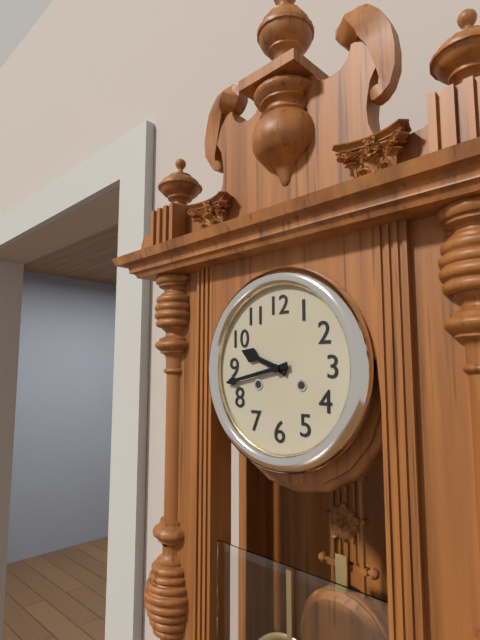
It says 9:43
